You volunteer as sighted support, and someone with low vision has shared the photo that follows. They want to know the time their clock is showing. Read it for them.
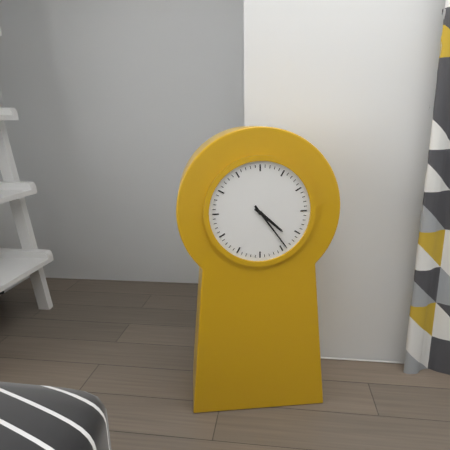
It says 4:24
